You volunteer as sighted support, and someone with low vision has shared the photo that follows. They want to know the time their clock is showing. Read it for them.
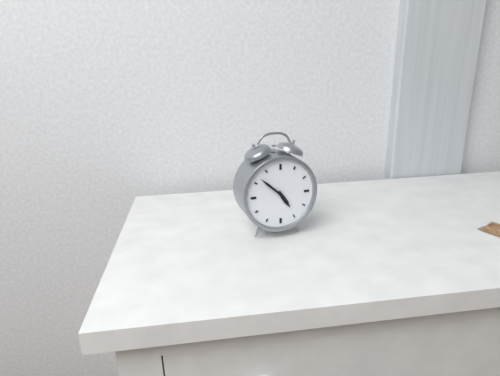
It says 4:52
